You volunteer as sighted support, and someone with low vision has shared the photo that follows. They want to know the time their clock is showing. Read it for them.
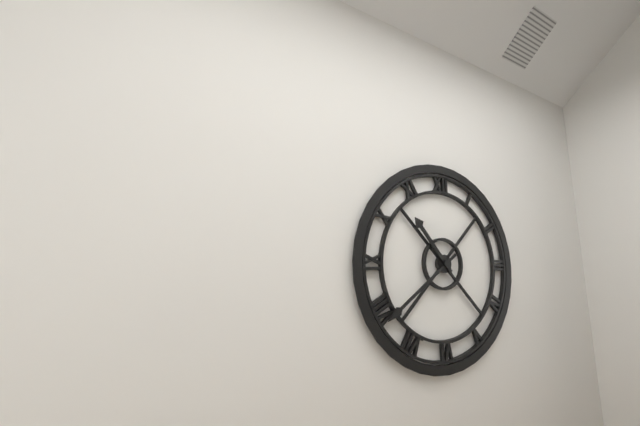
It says 10:39
